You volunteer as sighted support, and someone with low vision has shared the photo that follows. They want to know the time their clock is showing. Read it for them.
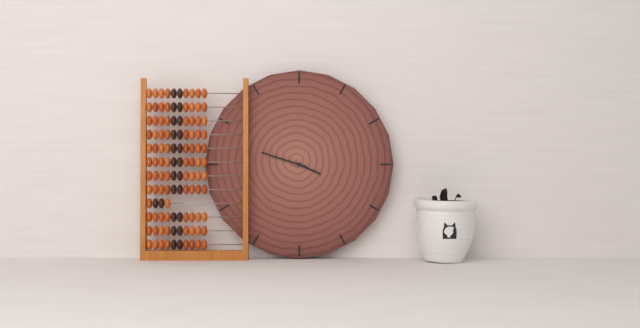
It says 3:48
